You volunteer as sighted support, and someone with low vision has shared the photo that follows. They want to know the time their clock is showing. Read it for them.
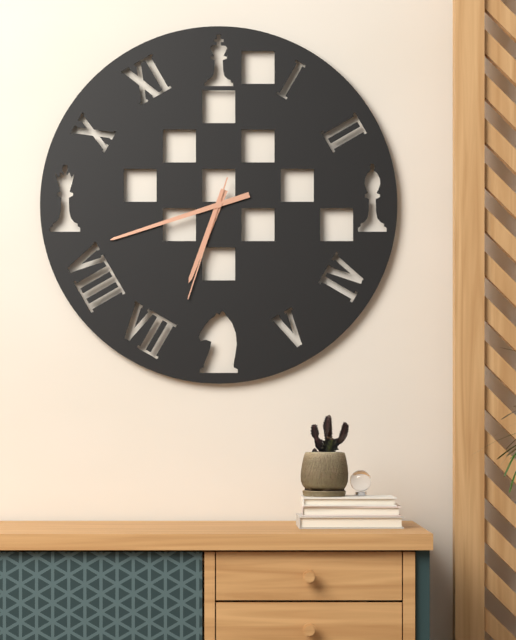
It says 6:42:33
